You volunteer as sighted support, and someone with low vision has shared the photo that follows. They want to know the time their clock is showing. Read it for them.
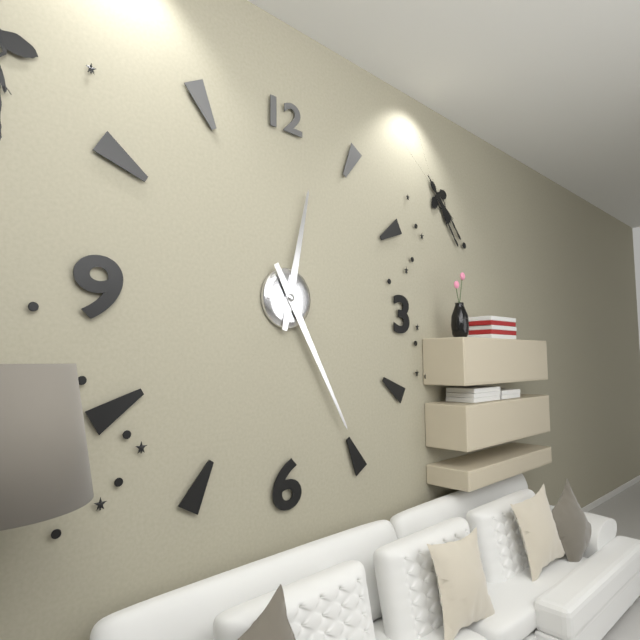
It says 12:25
